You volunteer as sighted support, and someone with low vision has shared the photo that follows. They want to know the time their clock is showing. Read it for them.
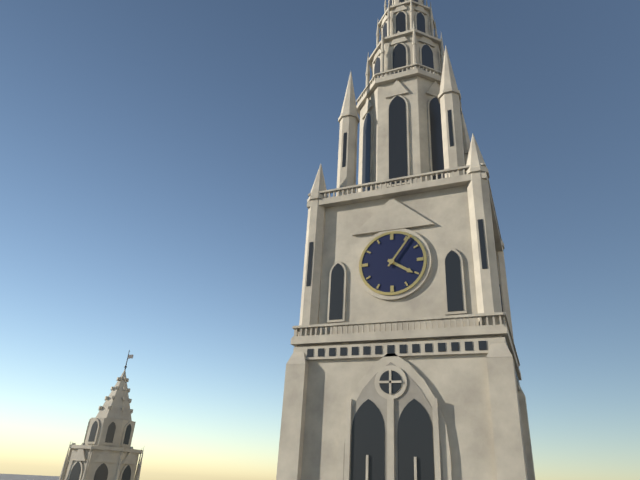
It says 4:06
